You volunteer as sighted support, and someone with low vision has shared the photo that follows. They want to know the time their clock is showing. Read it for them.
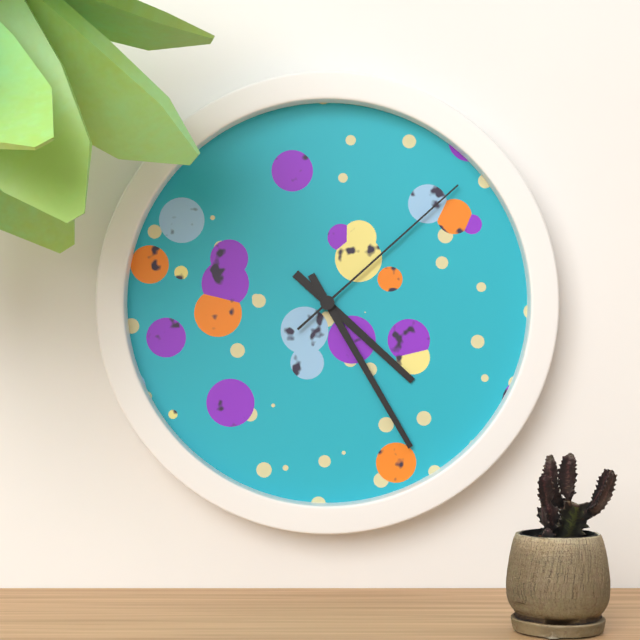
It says 4:25:08
